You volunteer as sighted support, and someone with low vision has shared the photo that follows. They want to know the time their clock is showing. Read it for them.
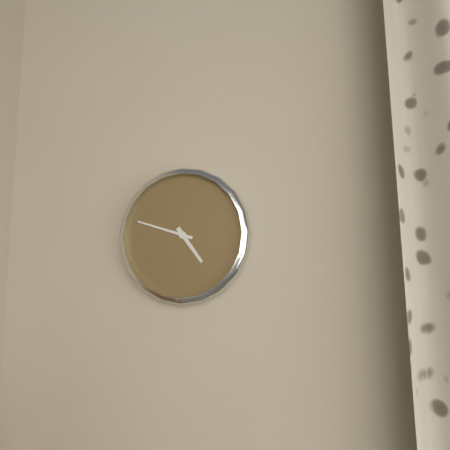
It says 4:48
